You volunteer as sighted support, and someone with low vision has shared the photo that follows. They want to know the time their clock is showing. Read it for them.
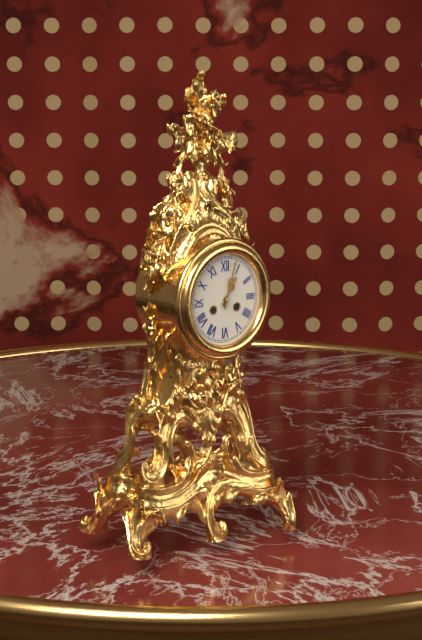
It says 1:03
